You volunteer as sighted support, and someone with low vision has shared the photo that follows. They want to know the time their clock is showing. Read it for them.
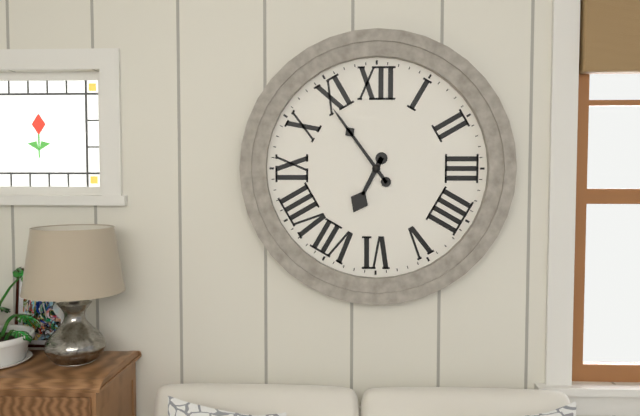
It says 6:54
